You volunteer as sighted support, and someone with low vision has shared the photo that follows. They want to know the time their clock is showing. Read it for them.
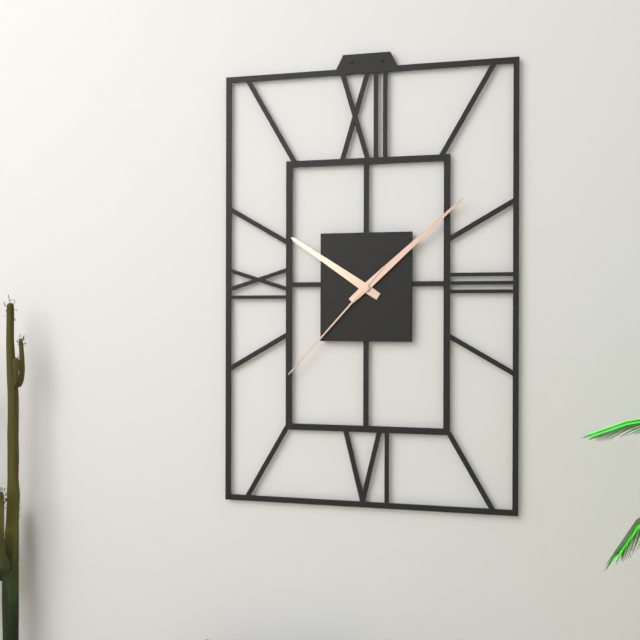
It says 10:08:37
